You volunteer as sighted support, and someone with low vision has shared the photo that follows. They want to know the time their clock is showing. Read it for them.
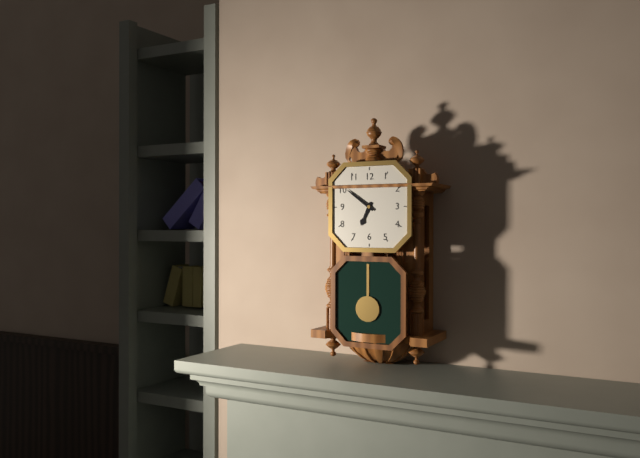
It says 6:51
